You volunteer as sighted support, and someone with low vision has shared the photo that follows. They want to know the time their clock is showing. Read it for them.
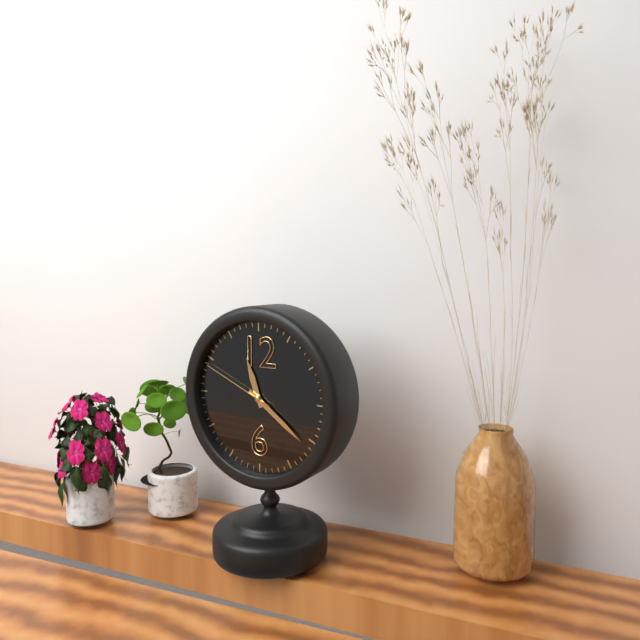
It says 11:21:49
